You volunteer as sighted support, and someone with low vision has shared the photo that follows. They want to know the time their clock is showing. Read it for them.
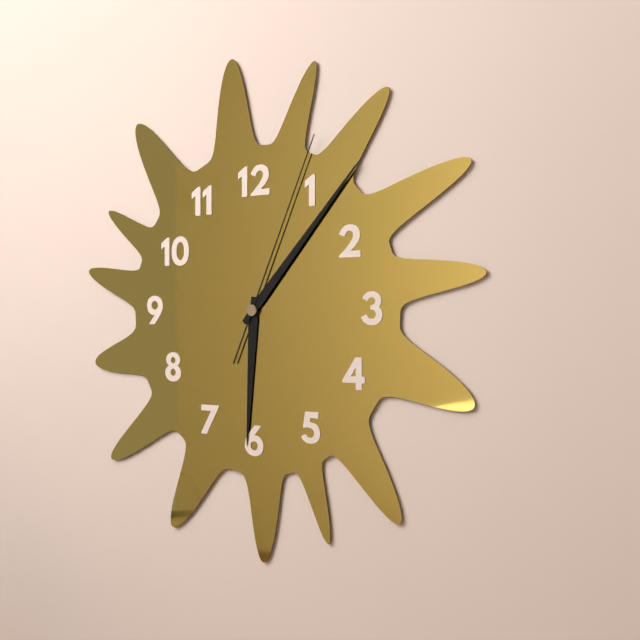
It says 6:07:04
